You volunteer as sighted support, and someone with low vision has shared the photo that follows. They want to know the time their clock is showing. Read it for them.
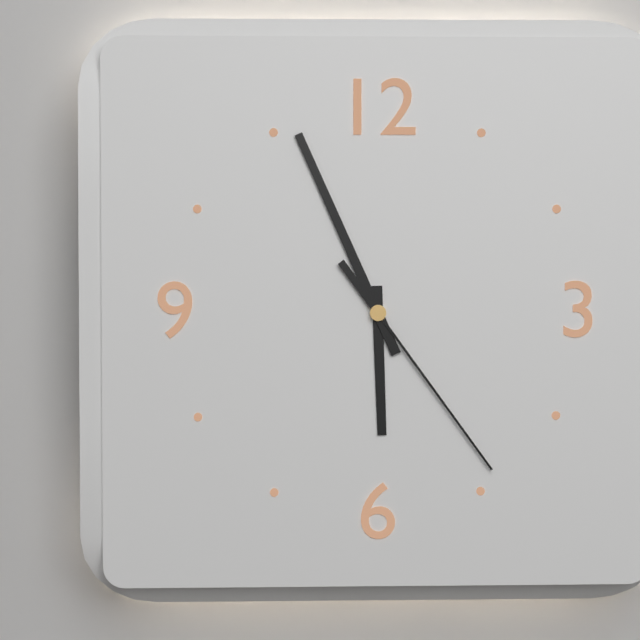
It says 5:56:24
